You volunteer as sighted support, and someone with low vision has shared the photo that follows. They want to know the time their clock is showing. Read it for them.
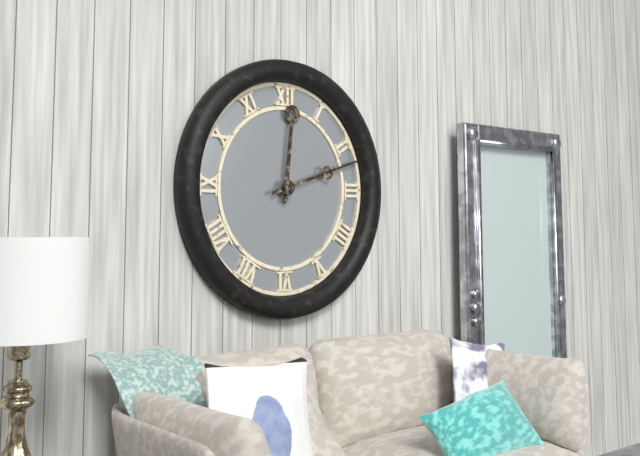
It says 12:12
